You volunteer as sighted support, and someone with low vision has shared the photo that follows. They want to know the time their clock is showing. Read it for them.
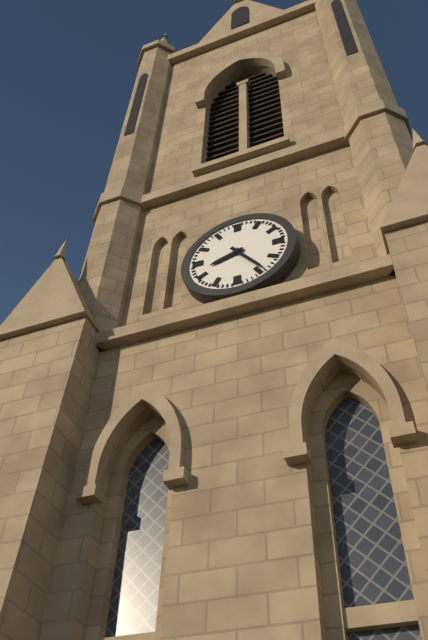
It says 8:24
